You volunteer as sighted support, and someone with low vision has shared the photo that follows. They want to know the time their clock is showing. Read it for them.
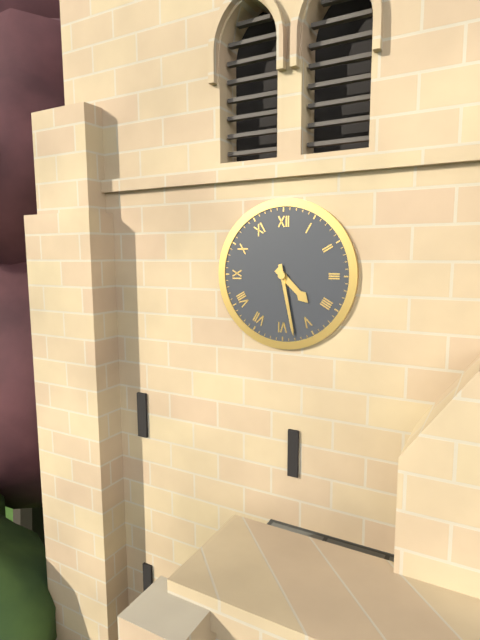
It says 4:28
